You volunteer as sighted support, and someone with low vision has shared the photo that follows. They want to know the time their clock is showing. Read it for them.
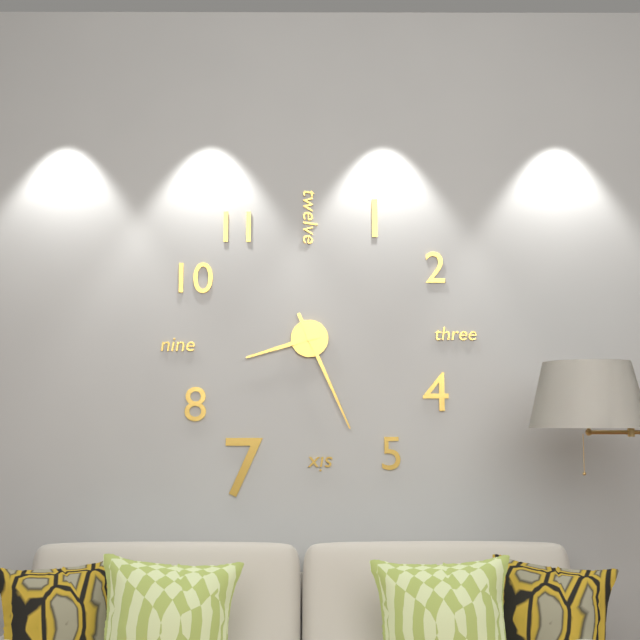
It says 8:26
